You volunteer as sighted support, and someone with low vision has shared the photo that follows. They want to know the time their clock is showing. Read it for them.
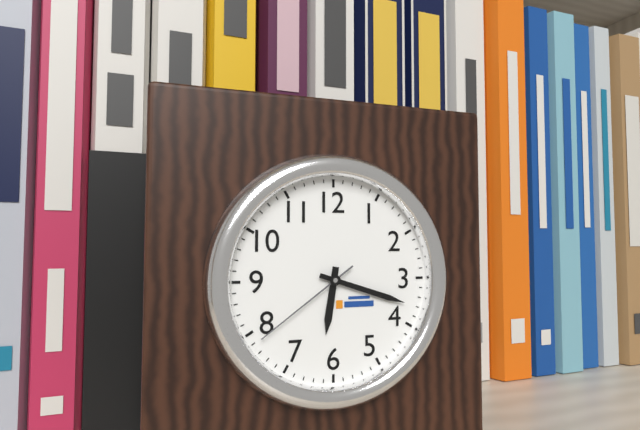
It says 6:18:39
